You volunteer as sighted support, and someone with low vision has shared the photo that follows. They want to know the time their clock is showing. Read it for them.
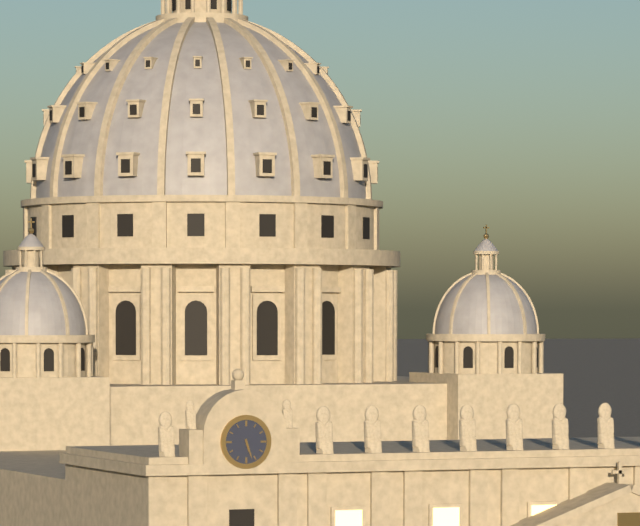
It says 5:27
